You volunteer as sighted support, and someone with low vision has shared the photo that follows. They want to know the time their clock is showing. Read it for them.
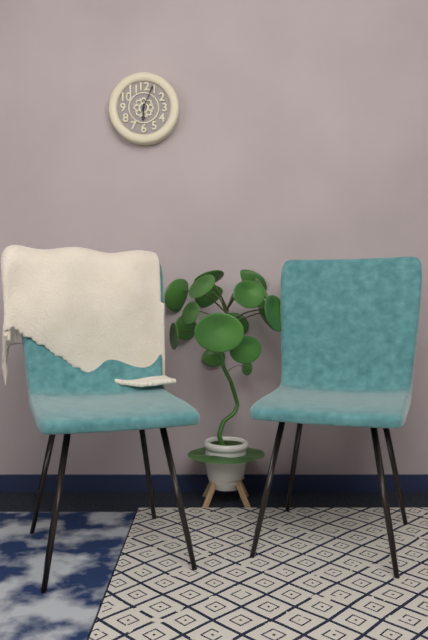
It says 6:04
